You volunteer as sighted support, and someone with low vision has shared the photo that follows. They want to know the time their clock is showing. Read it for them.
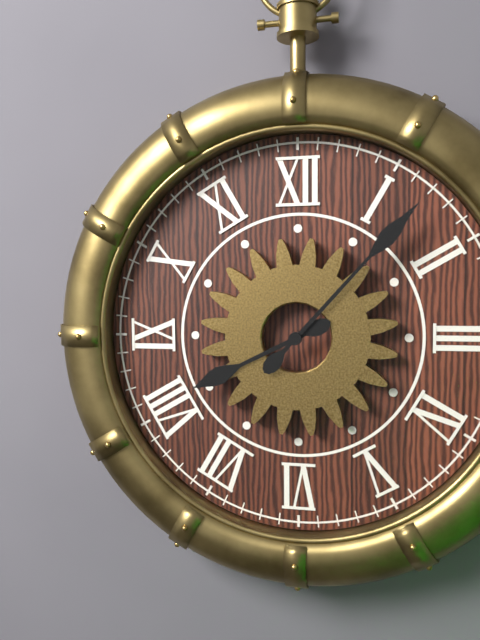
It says 8:07
